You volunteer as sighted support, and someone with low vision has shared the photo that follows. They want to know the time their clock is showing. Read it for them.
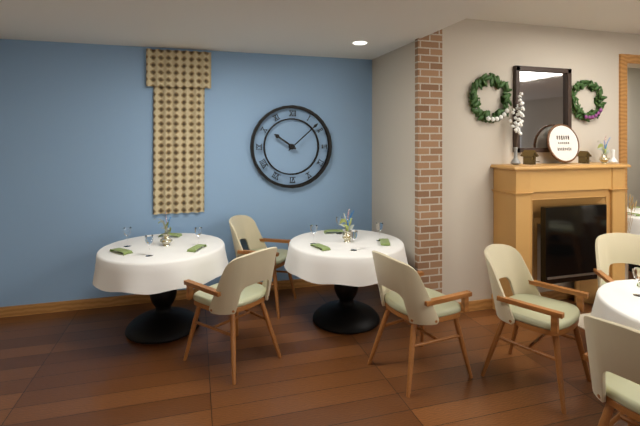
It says 10:08
